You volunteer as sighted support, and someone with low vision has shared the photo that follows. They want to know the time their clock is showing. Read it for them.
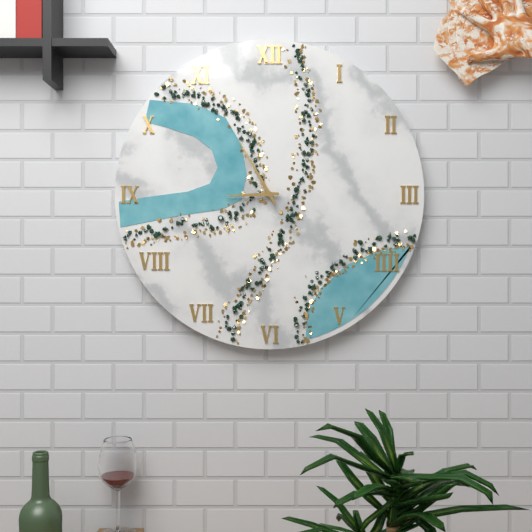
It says 8:55
